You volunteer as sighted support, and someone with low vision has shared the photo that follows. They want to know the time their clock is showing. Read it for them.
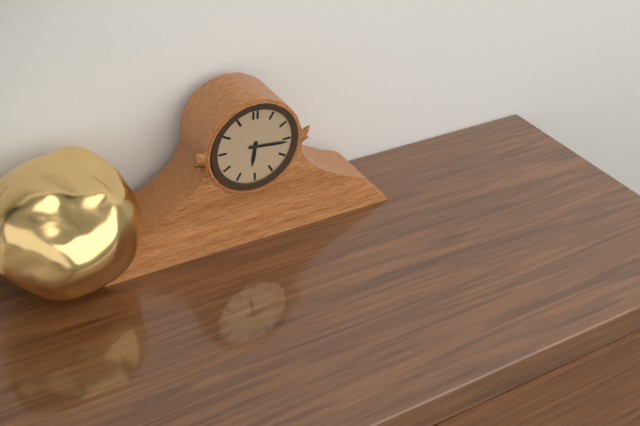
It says 6:16
